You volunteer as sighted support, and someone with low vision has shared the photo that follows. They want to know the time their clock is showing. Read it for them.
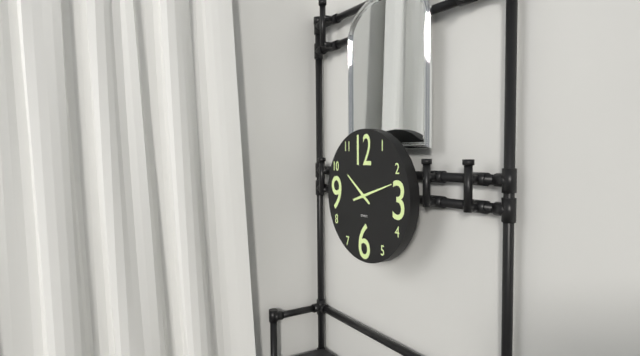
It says 10:12
